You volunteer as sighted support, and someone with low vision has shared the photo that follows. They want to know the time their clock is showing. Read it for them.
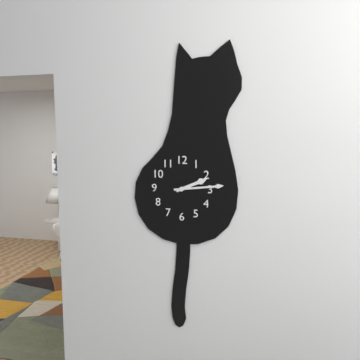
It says 2:14
